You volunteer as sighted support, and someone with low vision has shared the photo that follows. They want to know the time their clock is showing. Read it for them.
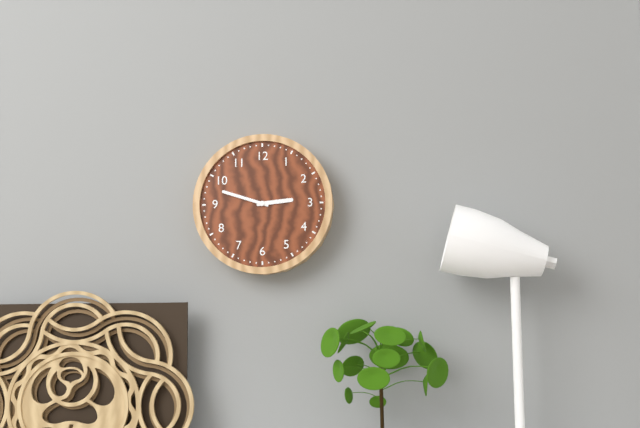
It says 2:48
